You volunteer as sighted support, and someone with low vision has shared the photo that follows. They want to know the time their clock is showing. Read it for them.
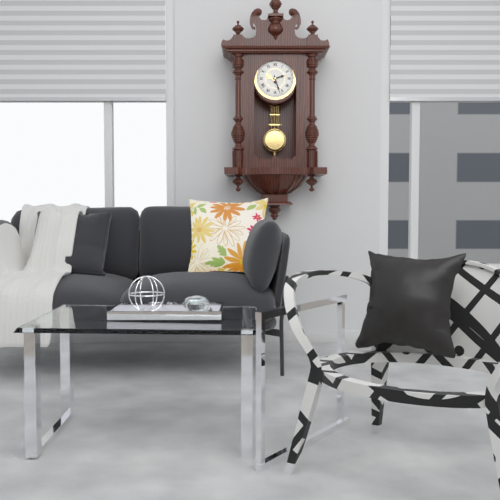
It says 2:27
